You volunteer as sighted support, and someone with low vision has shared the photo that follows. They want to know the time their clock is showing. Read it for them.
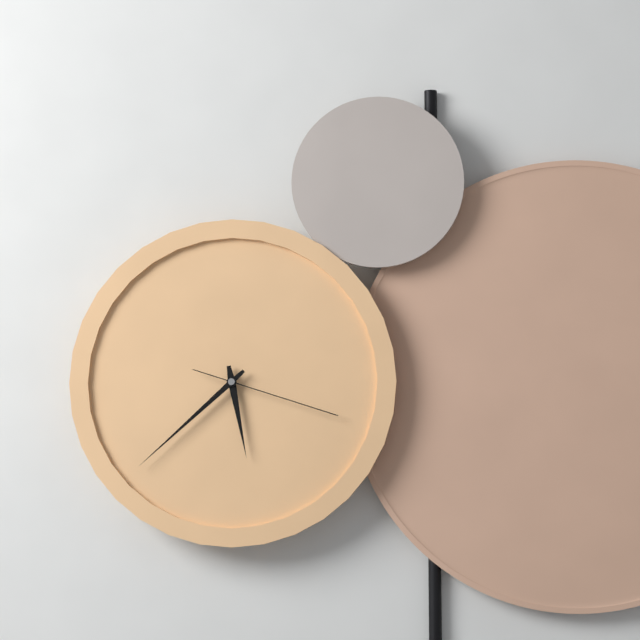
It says 5:38:18
